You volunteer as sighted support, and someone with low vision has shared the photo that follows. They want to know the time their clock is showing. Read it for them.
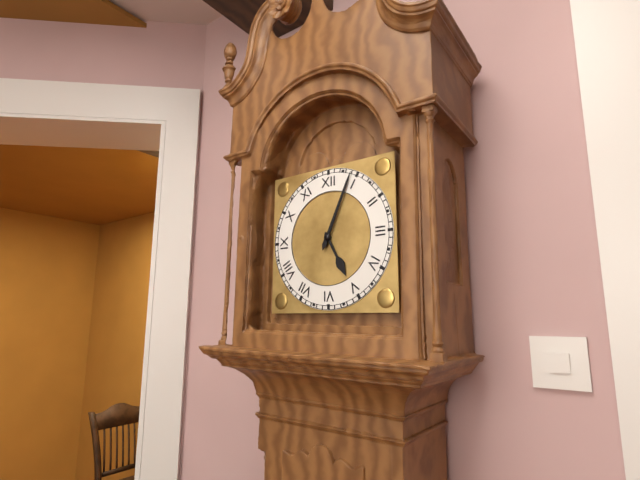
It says 5:04
